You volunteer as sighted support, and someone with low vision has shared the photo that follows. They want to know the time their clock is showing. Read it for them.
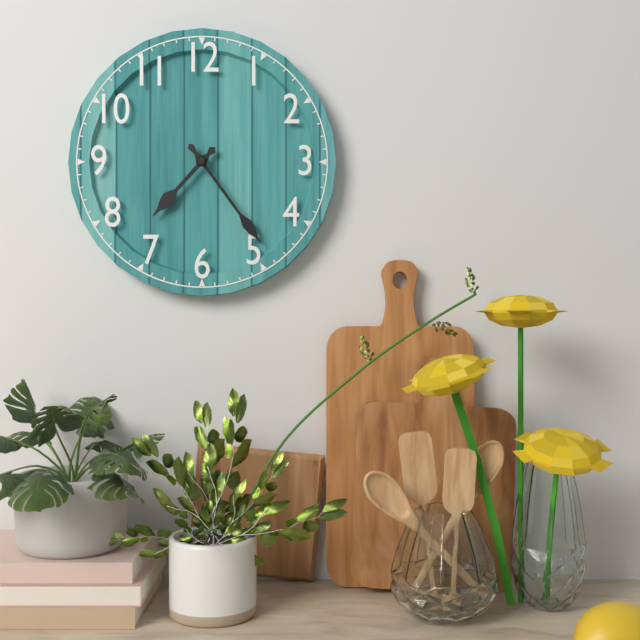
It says 7:24
